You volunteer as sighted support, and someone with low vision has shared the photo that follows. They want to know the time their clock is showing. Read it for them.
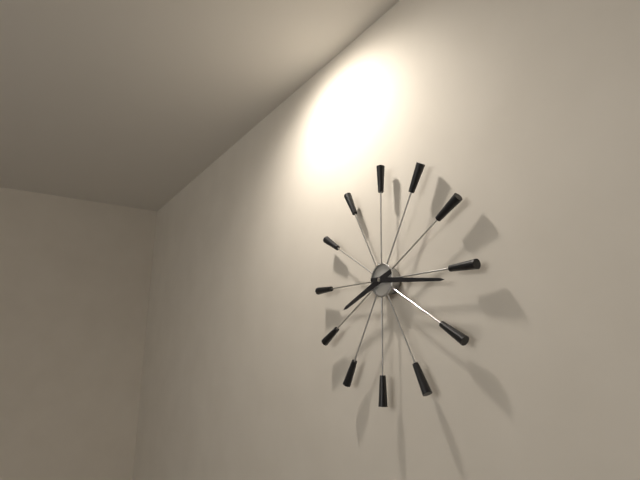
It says 8:16
